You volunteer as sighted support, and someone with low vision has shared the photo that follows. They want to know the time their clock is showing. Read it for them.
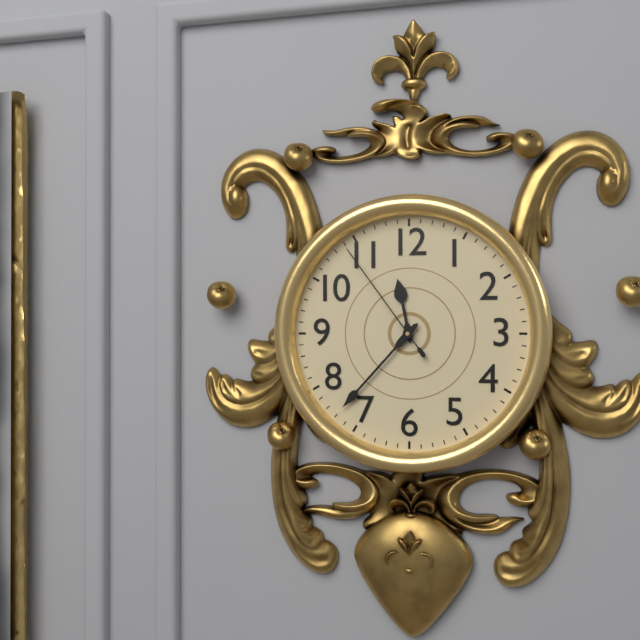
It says 11:37:54
